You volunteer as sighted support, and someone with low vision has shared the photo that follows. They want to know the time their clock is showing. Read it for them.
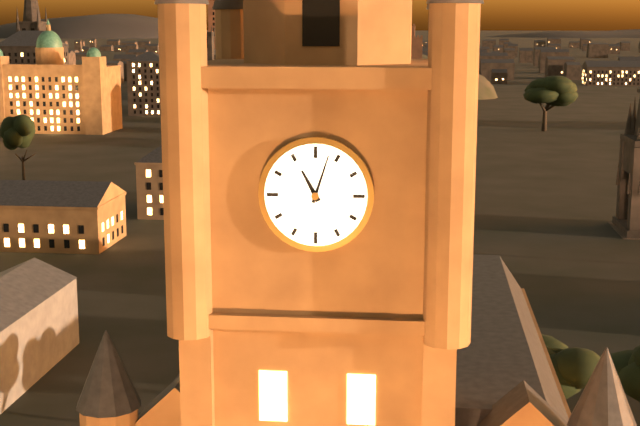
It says 11:03
